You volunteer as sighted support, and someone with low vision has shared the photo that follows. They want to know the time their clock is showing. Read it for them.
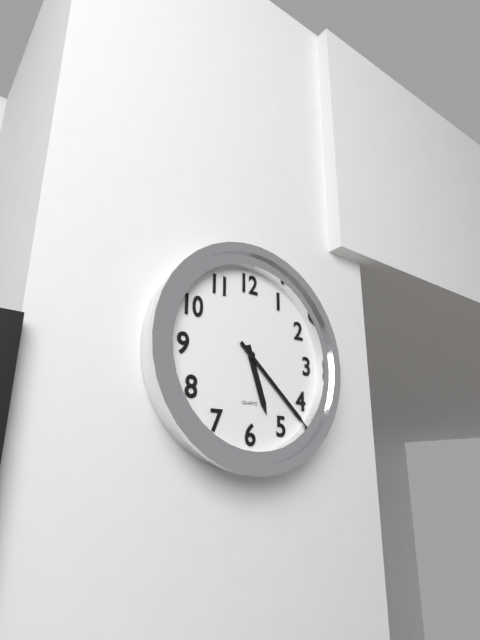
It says 5:22
